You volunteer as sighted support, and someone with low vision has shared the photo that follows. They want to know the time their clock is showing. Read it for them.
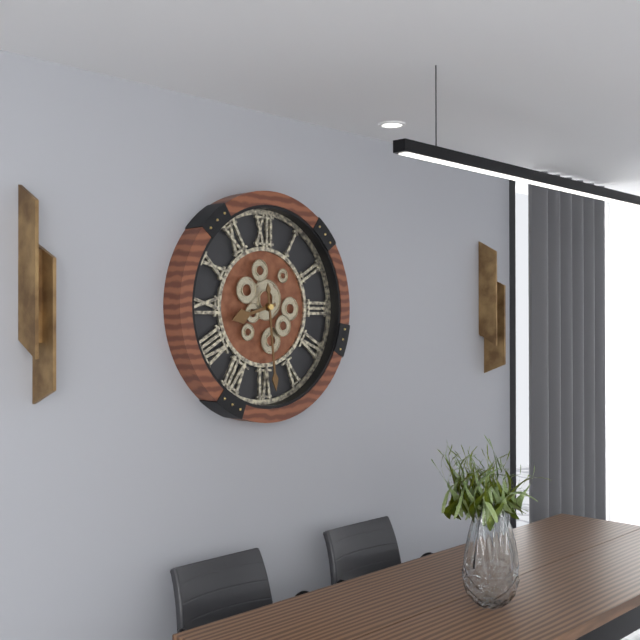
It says 8:29
